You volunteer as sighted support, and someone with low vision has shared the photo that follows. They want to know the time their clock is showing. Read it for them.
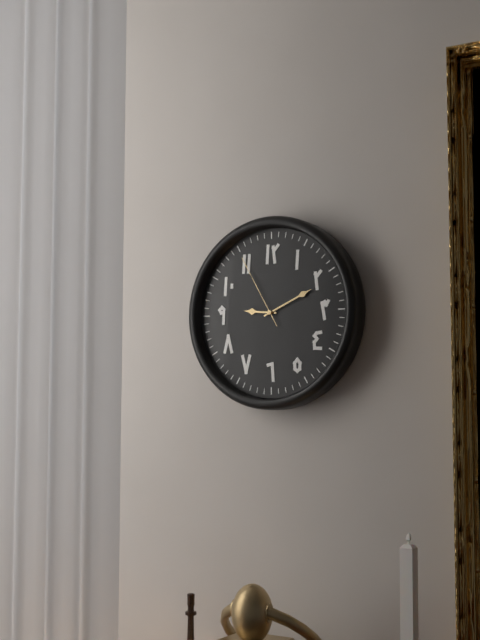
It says 9:11:55
